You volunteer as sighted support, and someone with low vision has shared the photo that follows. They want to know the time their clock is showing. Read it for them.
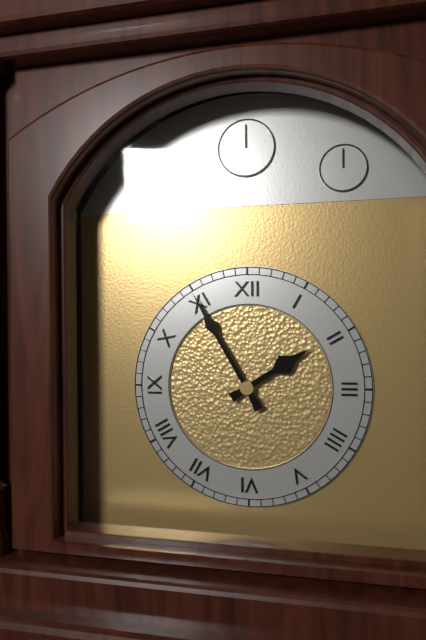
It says 1:55
